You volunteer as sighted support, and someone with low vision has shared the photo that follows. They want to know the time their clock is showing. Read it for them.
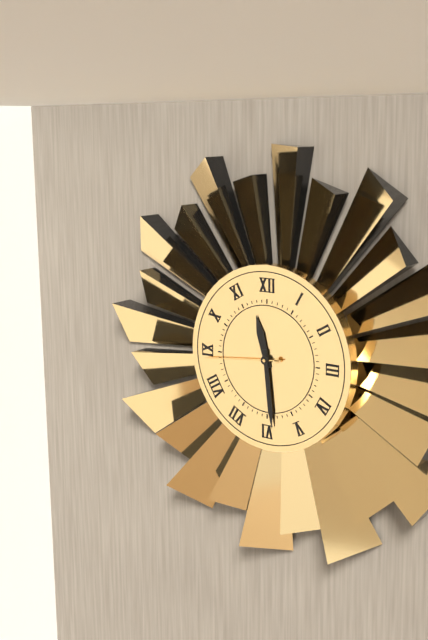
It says 11:29:44
